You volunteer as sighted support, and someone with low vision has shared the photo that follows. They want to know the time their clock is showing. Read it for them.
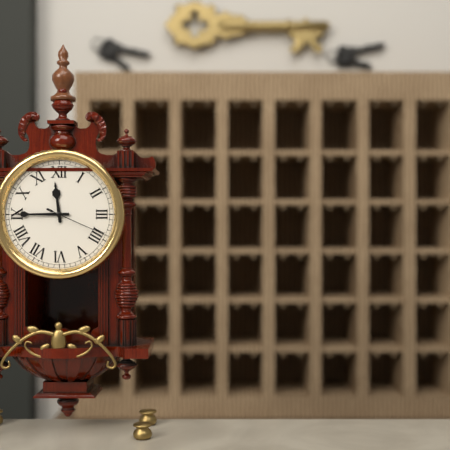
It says 11:45:19
